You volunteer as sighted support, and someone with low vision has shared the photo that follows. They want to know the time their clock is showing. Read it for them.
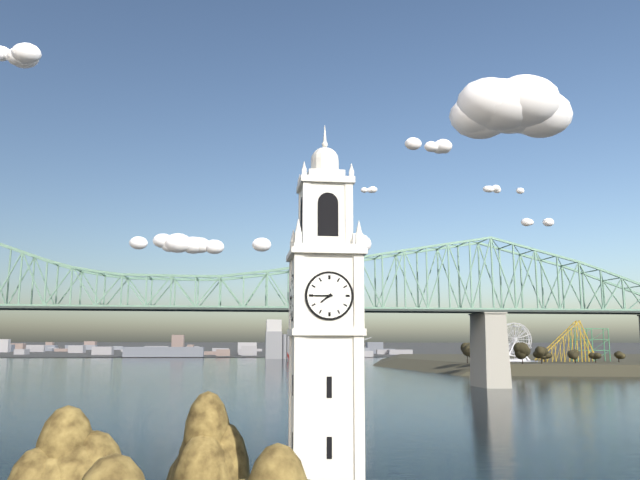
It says 7:45
